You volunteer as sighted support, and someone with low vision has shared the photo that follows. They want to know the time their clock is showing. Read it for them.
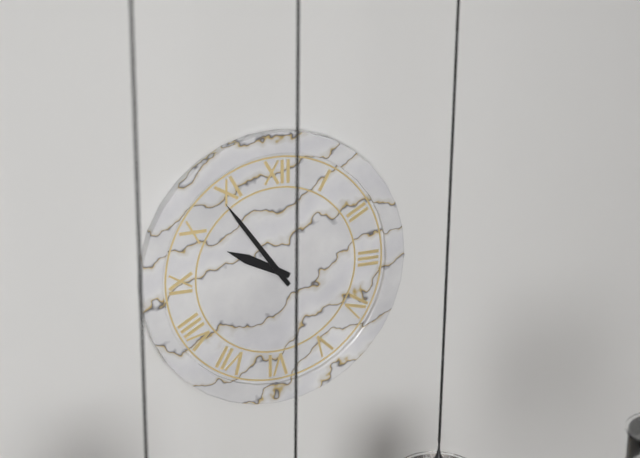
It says 9:54
